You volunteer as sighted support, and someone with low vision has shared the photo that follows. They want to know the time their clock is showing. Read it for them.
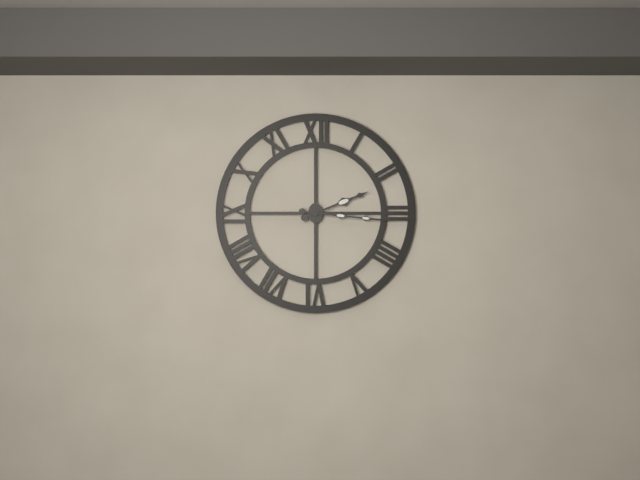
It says 2:16
